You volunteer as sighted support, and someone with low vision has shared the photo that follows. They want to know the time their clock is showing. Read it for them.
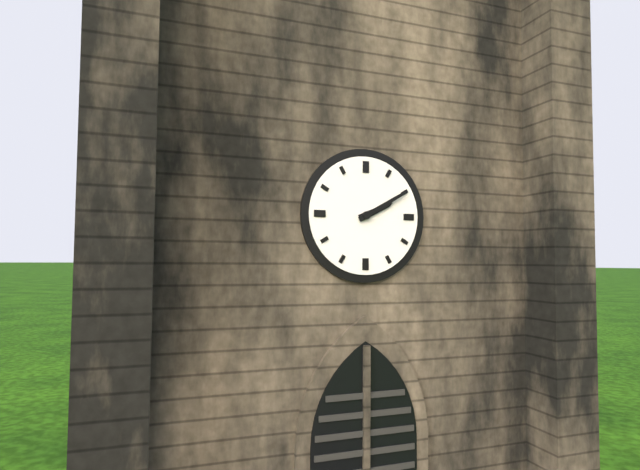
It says 2:10
